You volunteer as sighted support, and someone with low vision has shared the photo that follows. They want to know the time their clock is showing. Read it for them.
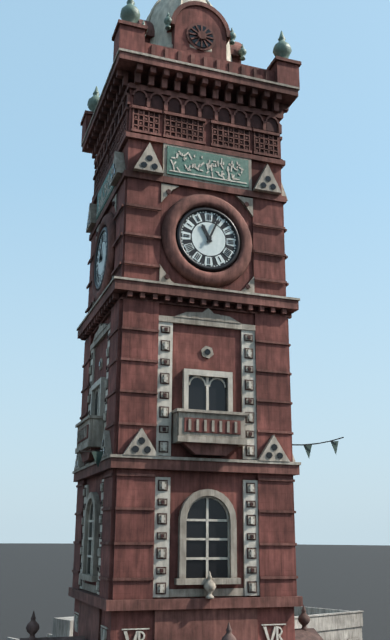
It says 11:04
